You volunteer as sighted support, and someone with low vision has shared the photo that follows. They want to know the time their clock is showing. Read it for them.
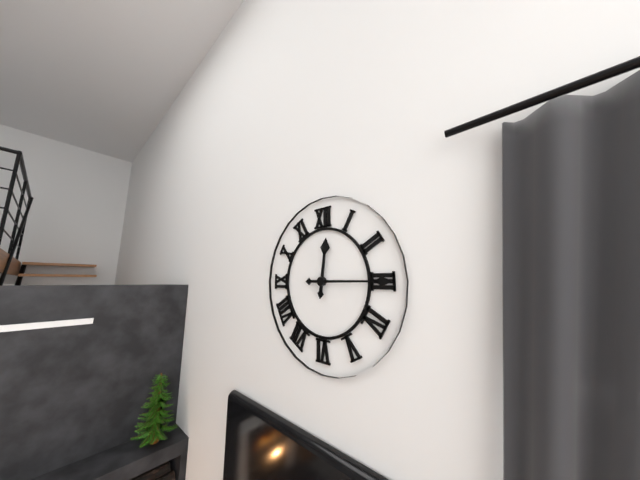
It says 12:15
